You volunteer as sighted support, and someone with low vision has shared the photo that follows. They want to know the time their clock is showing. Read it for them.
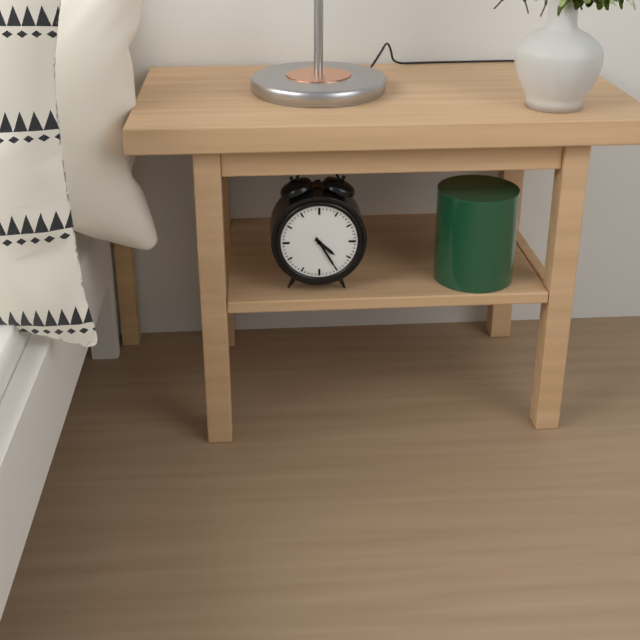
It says 4:25
